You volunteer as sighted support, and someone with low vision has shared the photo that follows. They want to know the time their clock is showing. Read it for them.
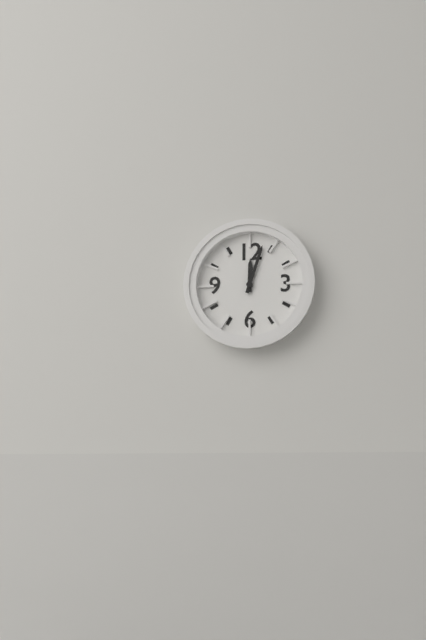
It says 12:03
